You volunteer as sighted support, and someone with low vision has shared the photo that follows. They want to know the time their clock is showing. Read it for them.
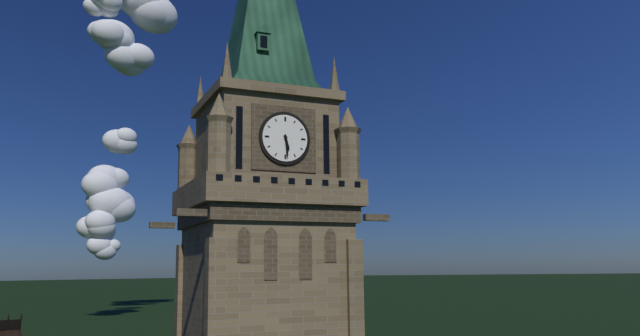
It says 5:29
